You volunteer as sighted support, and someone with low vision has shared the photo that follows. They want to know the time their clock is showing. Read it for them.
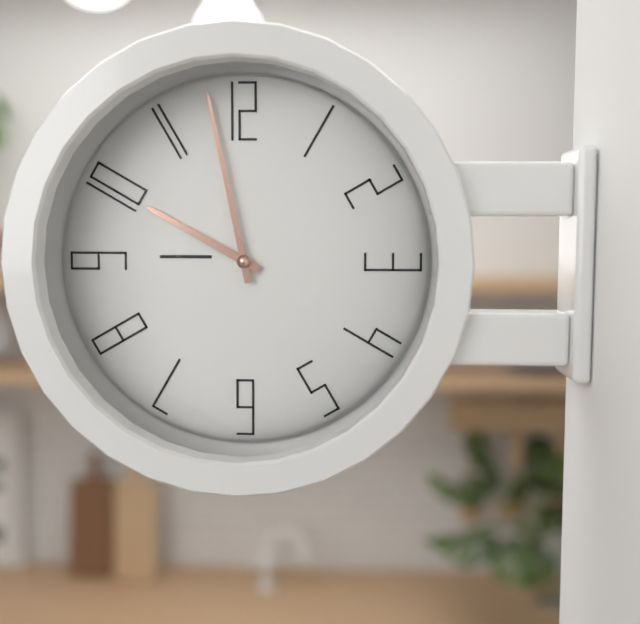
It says 9:58
